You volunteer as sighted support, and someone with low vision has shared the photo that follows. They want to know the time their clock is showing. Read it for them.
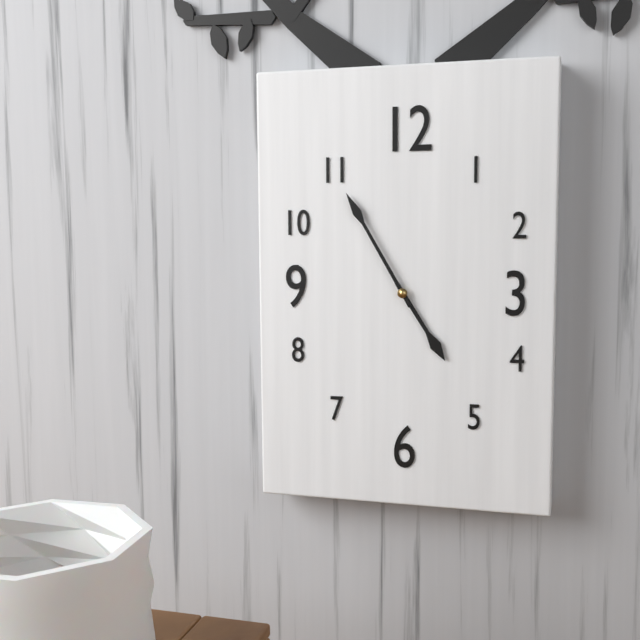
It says 4:55
